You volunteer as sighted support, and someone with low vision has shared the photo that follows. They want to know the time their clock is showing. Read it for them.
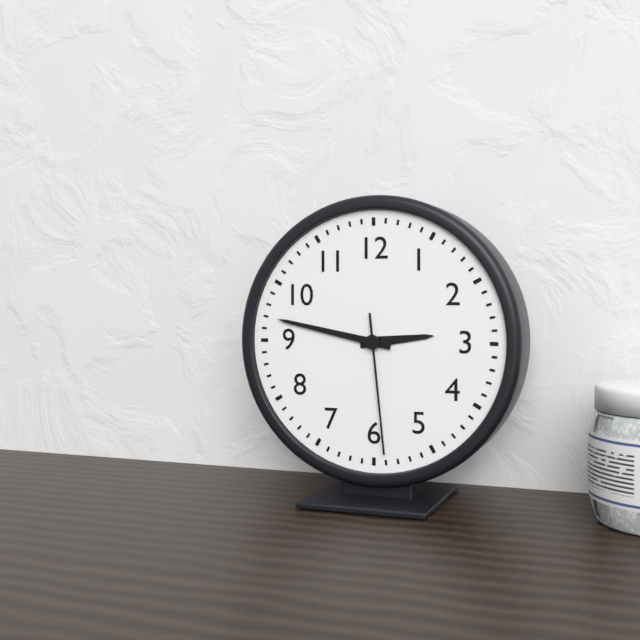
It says 2:47:29
